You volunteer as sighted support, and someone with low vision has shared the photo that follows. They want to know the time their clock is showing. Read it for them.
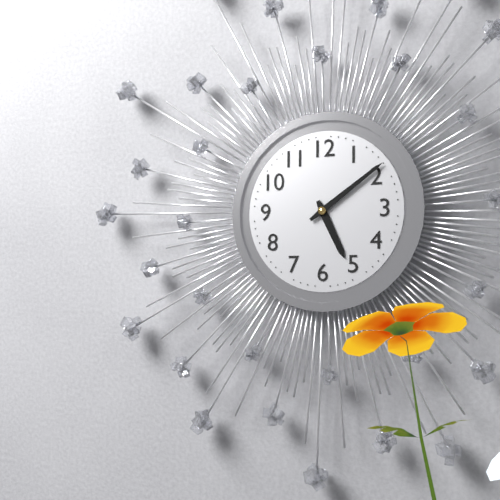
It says 5:09
